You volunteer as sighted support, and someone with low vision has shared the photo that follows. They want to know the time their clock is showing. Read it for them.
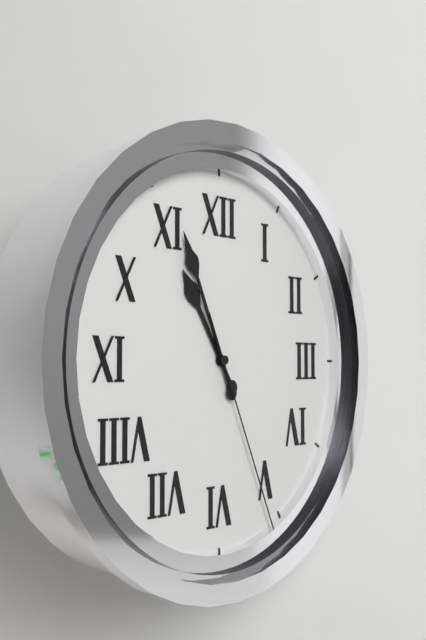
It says 10:56:26
